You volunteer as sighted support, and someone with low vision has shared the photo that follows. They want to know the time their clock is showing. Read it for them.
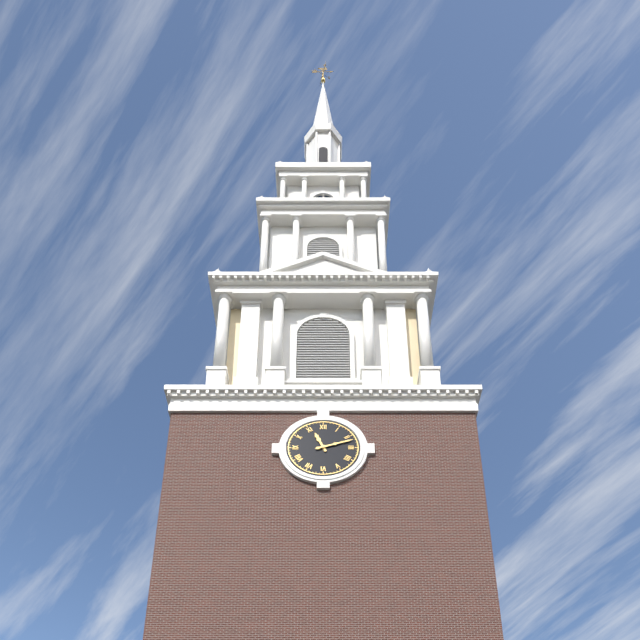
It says 11:12
